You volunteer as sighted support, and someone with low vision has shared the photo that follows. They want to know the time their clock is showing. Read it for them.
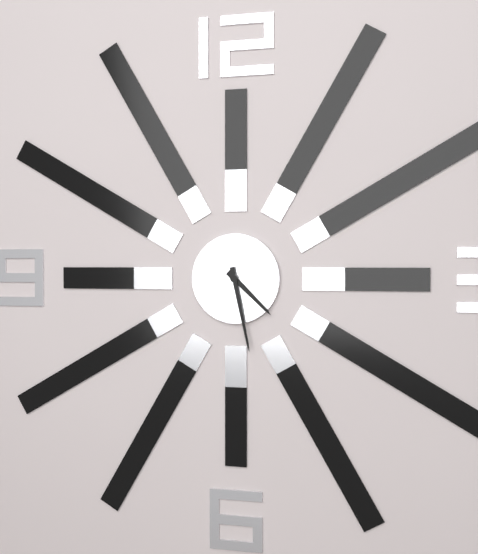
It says 4:28
